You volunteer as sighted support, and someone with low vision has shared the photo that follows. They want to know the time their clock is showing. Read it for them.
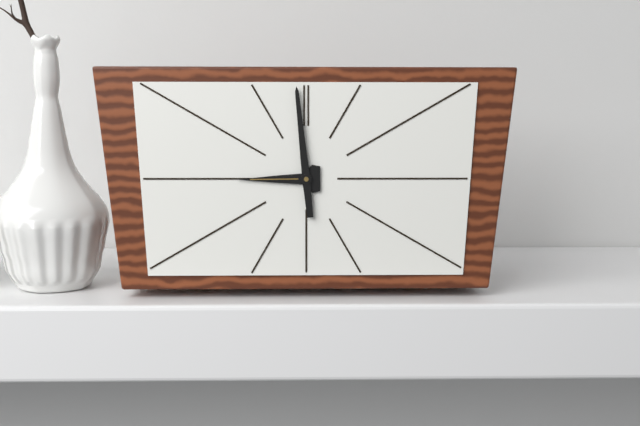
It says 8:59
